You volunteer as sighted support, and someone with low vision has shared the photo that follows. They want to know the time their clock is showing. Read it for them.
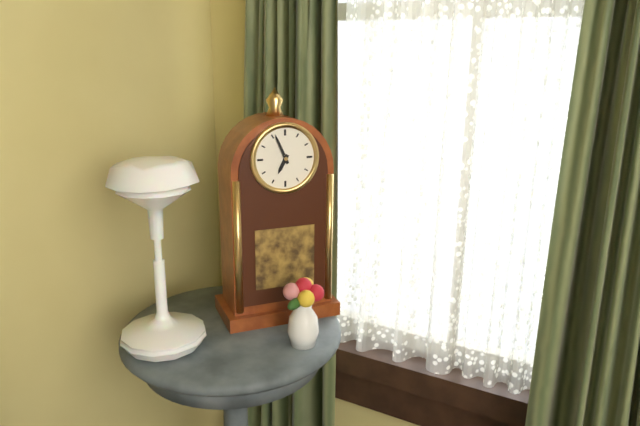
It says 6:56
